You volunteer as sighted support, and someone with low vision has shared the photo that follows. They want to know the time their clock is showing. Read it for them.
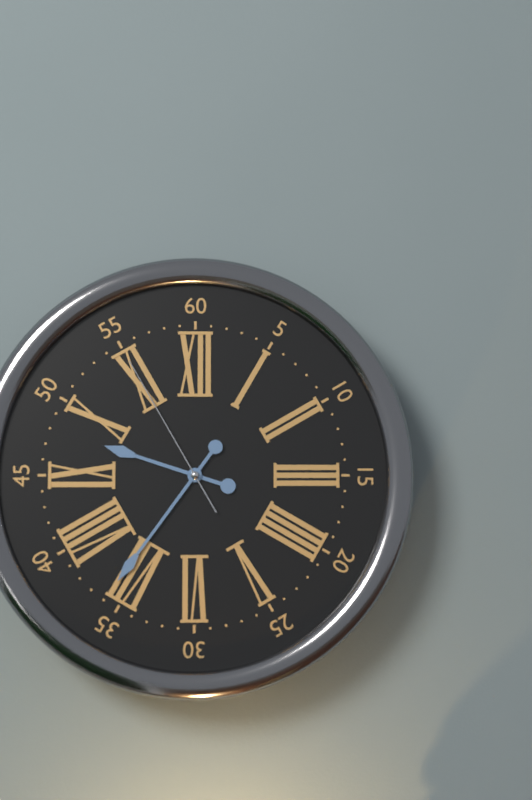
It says 9:36:55
